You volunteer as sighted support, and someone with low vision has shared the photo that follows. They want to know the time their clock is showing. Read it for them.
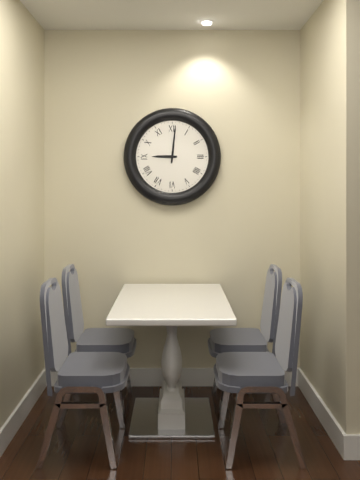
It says 9:01
